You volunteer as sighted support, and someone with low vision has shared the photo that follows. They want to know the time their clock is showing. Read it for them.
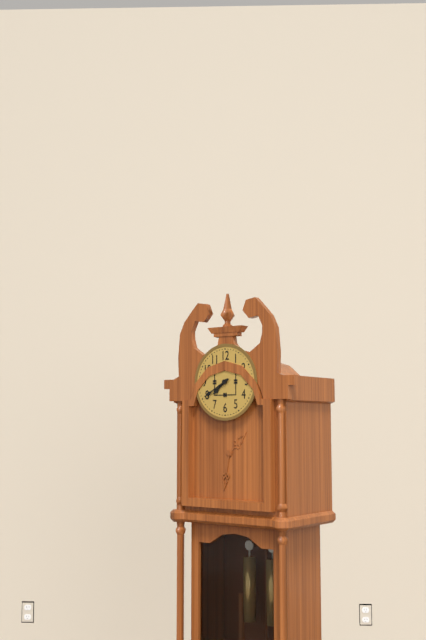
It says 7:40
